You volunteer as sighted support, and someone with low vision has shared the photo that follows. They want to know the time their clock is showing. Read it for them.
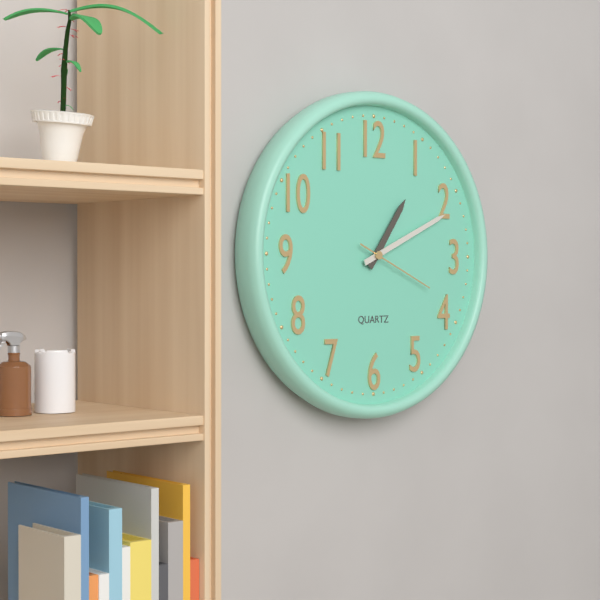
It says 1:11:19
